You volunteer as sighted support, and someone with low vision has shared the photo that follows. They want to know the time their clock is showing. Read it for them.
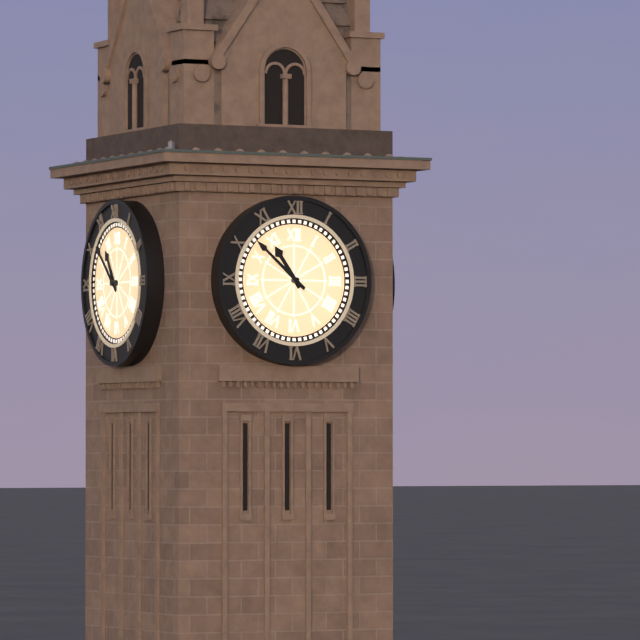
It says 10:52
